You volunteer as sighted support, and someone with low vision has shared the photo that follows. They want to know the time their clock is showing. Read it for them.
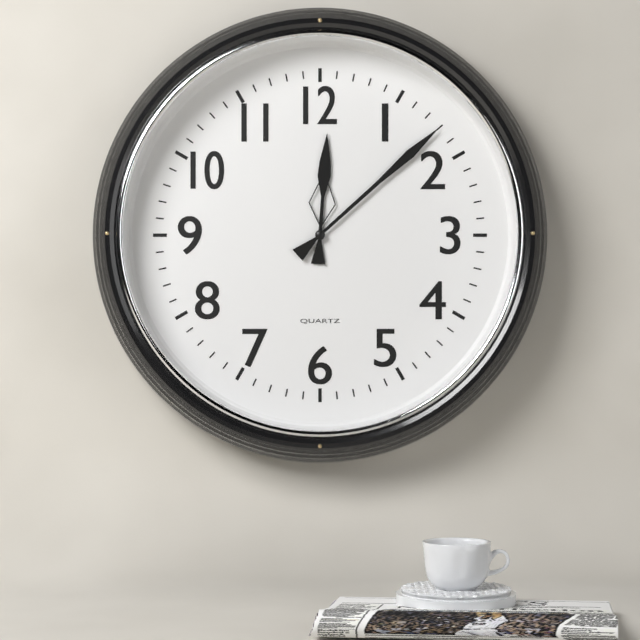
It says 12:08
